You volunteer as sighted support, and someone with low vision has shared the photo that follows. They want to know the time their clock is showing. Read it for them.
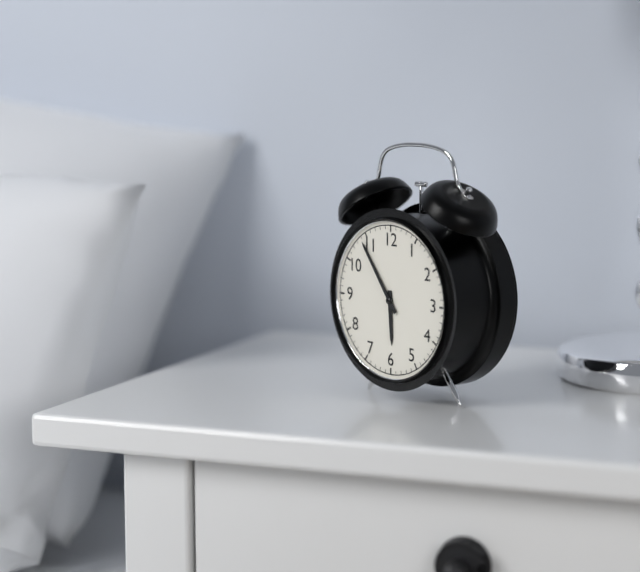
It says 5:54
